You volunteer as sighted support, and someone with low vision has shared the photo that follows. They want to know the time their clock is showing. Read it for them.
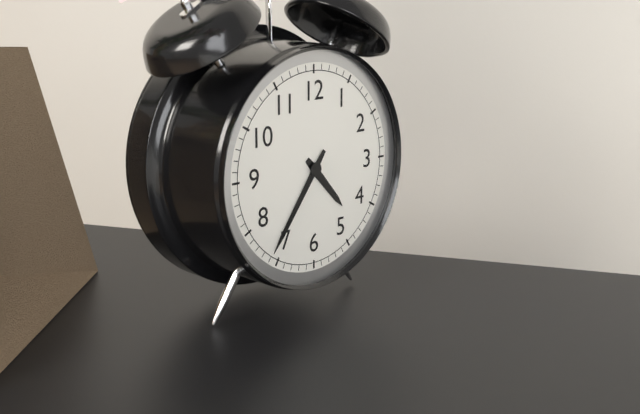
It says 4:36
